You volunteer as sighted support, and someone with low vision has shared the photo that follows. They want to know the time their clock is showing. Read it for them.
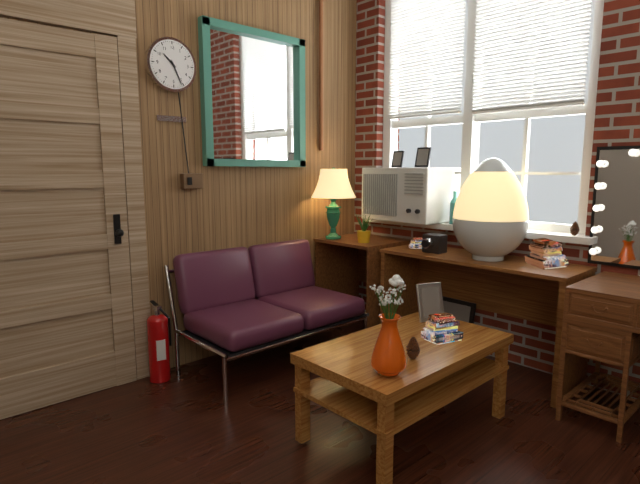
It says 10:26
